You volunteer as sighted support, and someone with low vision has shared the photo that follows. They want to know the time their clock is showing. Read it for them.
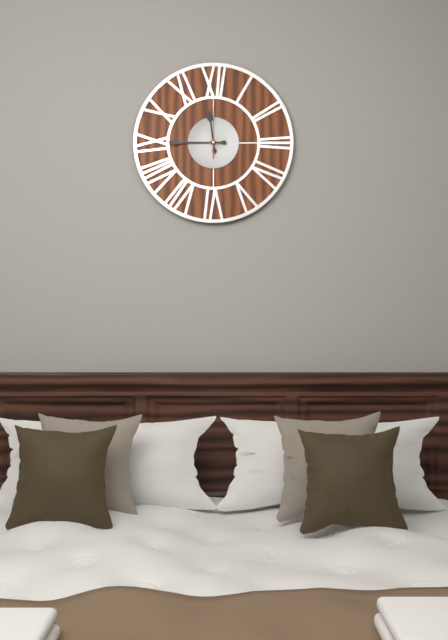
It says 11:45:00
